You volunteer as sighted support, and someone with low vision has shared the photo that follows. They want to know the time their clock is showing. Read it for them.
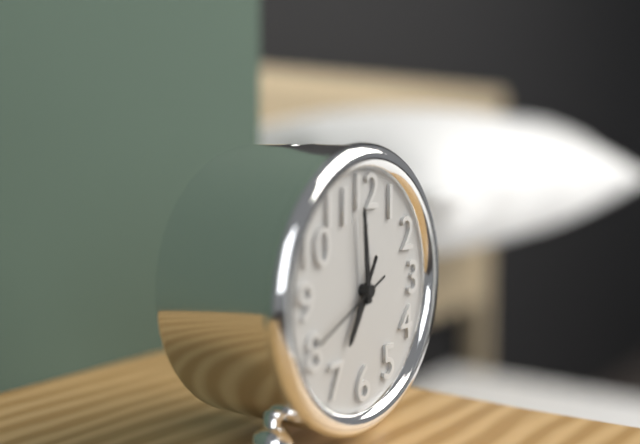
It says 6:59:41
